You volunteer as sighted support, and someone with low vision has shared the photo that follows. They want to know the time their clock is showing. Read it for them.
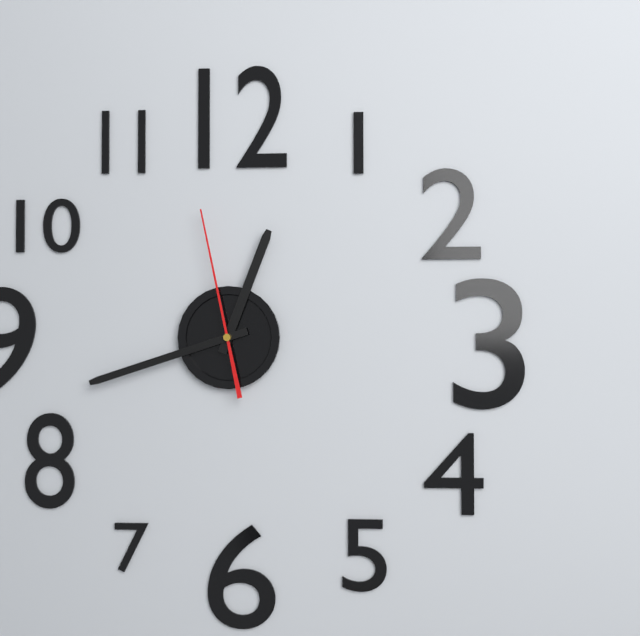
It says 12:42:58
